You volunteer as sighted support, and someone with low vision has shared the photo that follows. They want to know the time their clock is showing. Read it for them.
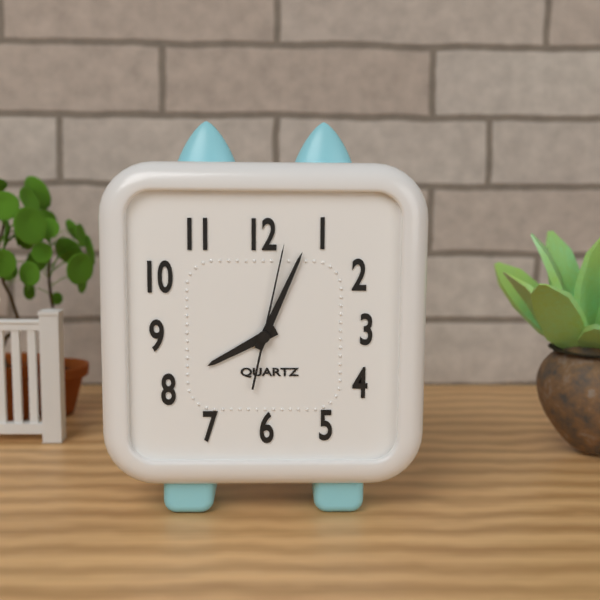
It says 8:04:02
